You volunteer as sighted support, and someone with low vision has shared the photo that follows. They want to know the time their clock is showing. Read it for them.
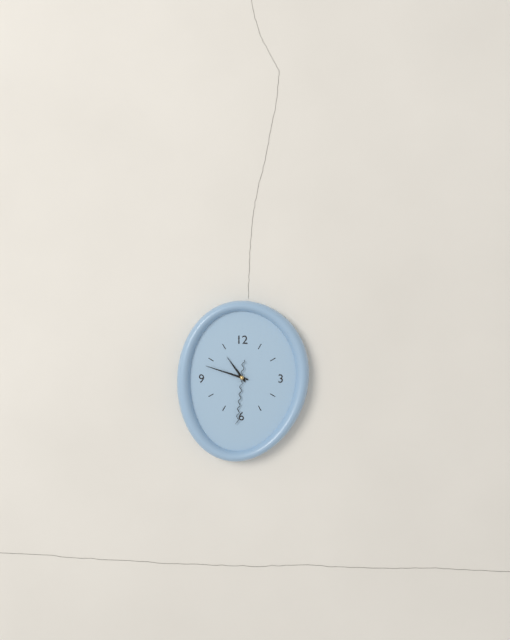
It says 10:48:31
